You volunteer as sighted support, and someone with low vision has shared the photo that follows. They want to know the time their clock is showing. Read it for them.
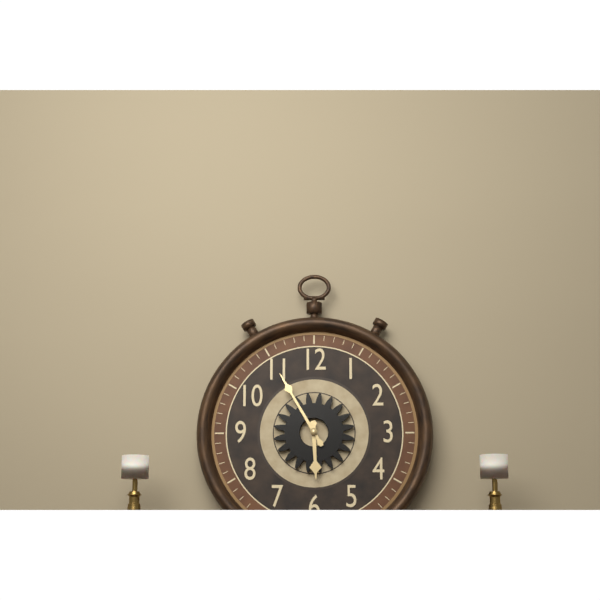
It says 5:55
